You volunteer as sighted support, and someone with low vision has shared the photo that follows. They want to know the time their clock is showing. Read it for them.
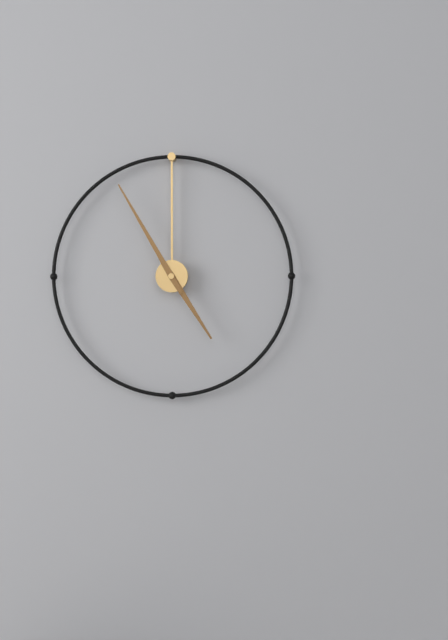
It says 4:55
